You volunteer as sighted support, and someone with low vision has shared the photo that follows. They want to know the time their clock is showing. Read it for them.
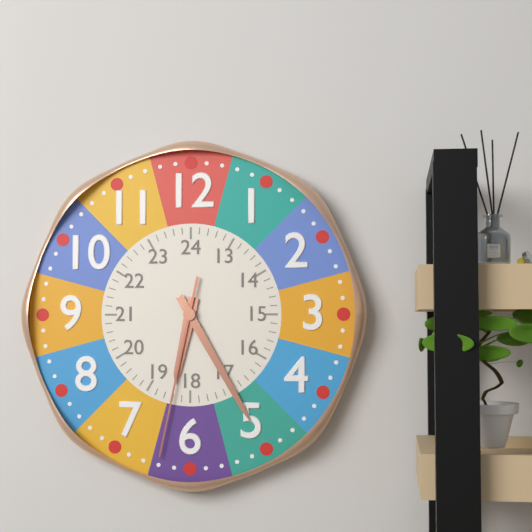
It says 6:25:32
